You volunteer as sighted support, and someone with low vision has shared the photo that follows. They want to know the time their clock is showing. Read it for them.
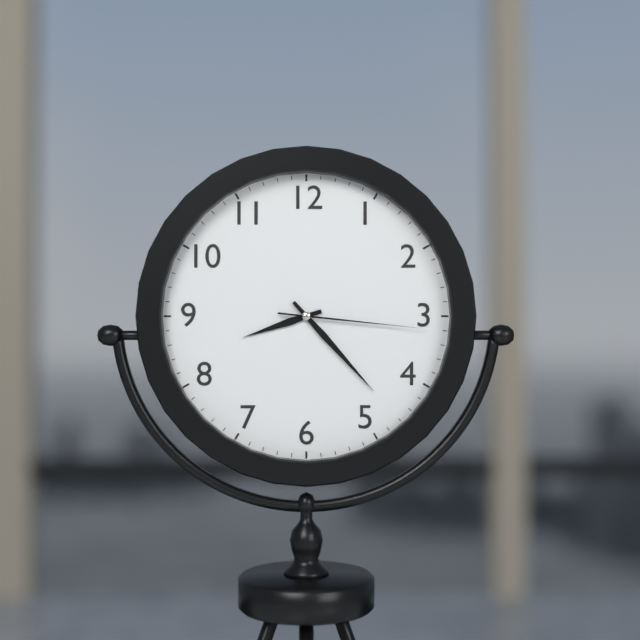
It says 8:23:16
